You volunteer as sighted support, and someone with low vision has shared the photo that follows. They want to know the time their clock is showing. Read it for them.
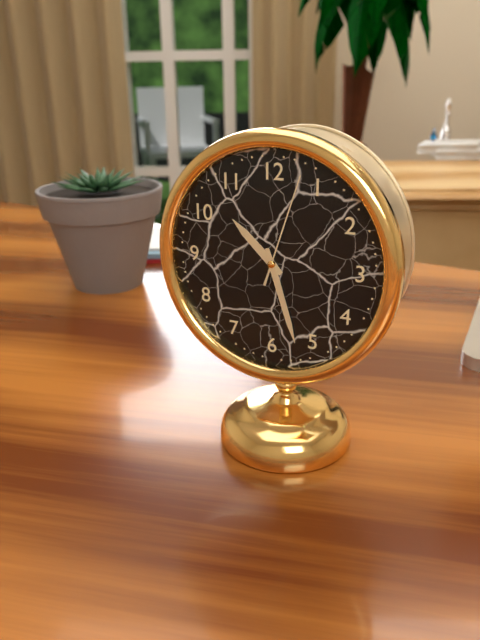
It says 10:27:03
